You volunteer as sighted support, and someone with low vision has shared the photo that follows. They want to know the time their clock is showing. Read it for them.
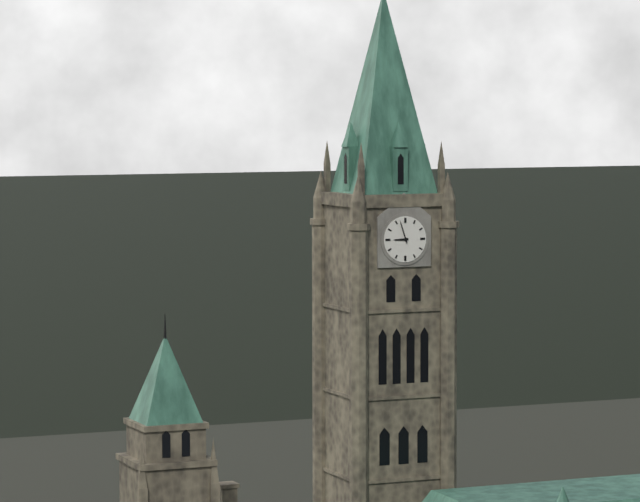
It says 8:57
